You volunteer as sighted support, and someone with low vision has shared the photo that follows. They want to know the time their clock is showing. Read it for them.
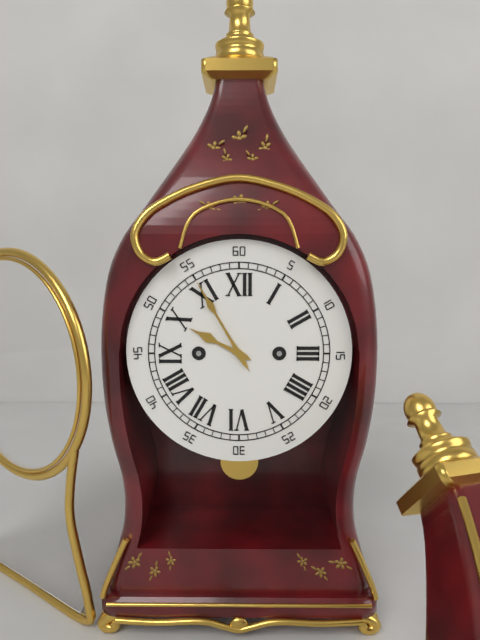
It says 9:55
